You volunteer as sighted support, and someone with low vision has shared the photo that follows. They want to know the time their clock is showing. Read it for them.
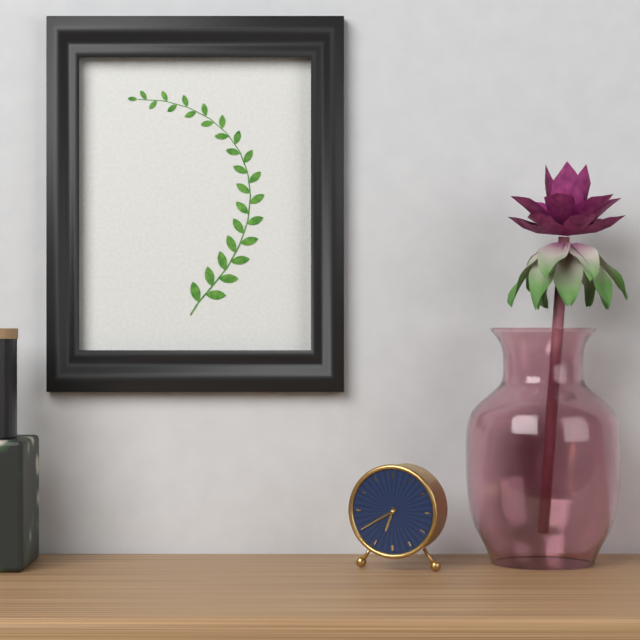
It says 6:40
